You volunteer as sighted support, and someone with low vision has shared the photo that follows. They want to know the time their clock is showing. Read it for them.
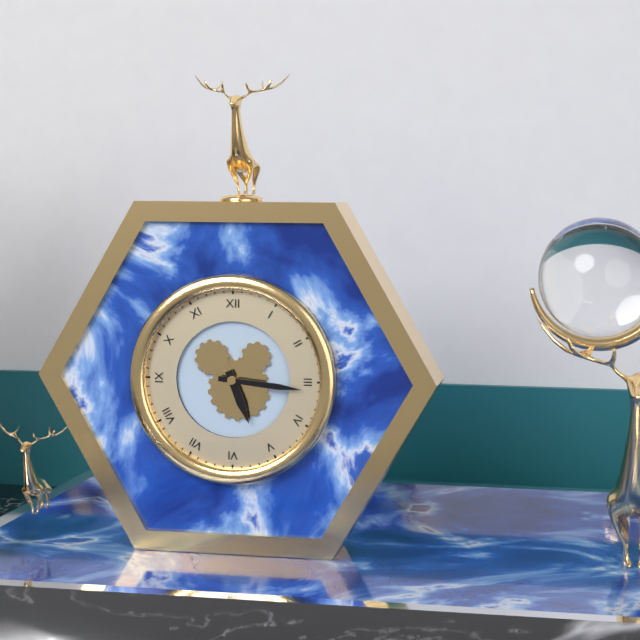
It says 5:16
